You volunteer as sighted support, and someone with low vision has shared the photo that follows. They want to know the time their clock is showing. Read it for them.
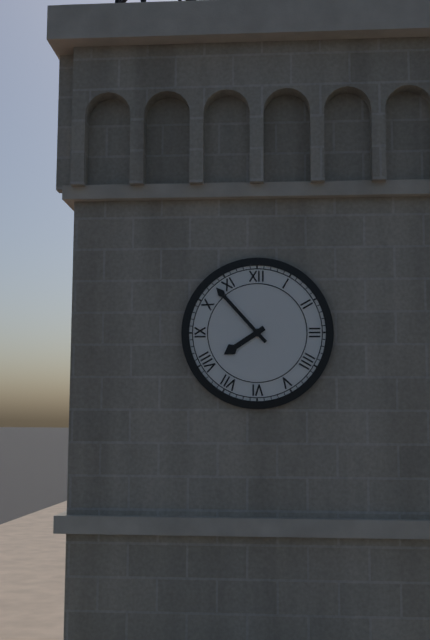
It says 7:53
